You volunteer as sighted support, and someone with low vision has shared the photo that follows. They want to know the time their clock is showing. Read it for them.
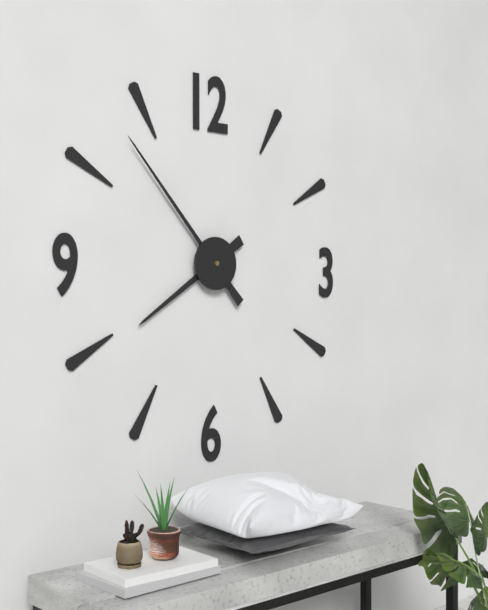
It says 7:53
